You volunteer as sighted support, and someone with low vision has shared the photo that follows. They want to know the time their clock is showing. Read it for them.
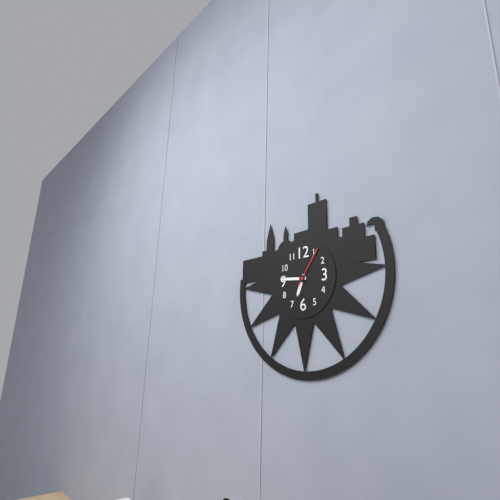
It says 6:46
